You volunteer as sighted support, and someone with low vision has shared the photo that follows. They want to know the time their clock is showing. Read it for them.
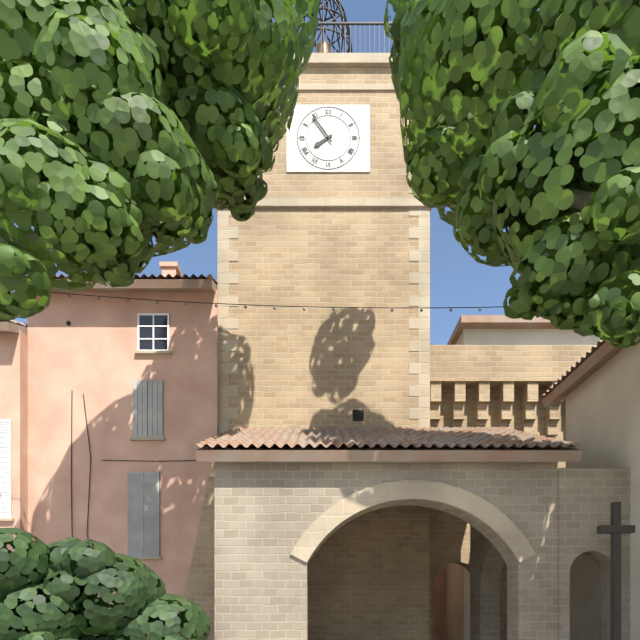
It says 7:54
